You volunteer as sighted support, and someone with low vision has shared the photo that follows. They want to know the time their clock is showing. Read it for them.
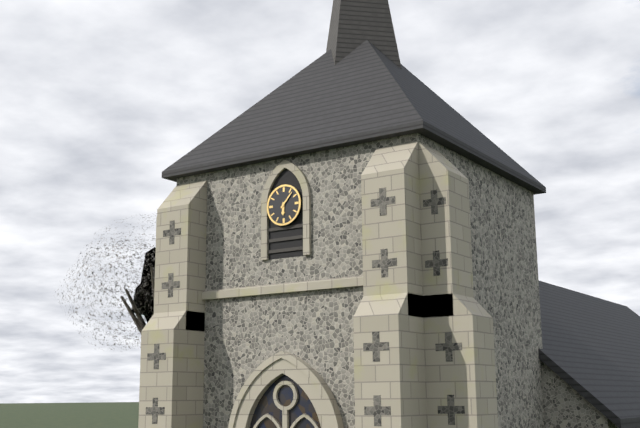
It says 6:07
